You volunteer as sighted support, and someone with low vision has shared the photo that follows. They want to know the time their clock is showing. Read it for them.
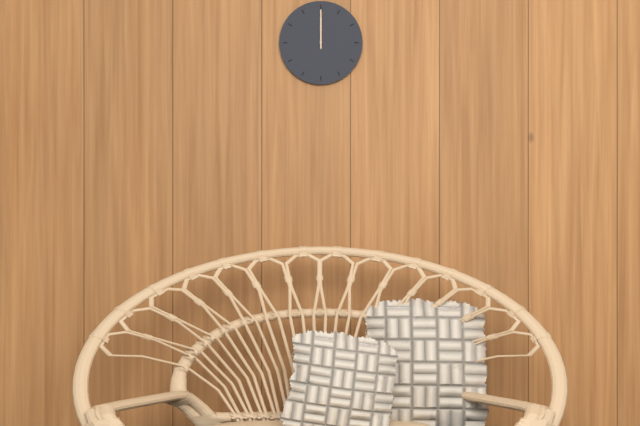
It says 12:00
